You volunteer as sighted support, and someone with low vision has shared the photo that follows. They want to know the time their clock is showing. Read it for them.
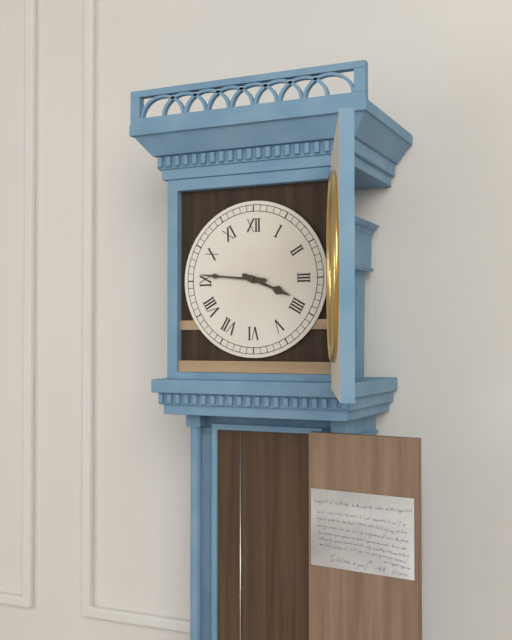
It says 3:46
